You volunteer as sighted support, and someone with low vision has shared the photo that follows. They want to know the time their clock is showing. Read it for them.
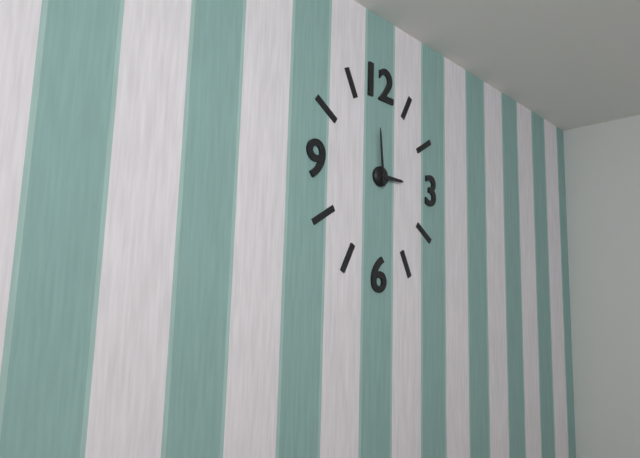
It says 2:59
